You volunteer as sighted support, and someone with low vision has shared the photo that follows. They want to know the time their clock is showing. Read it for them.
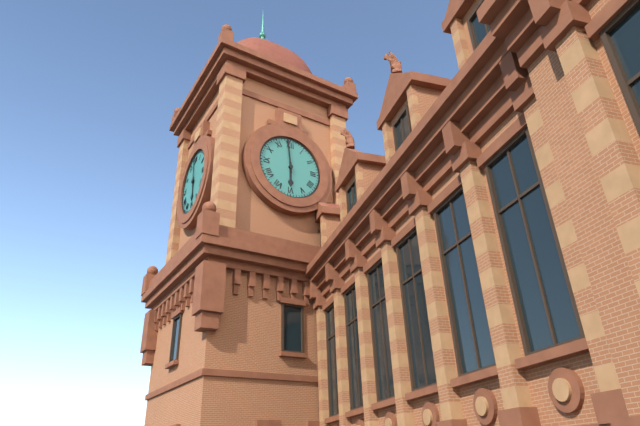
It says 5:59
